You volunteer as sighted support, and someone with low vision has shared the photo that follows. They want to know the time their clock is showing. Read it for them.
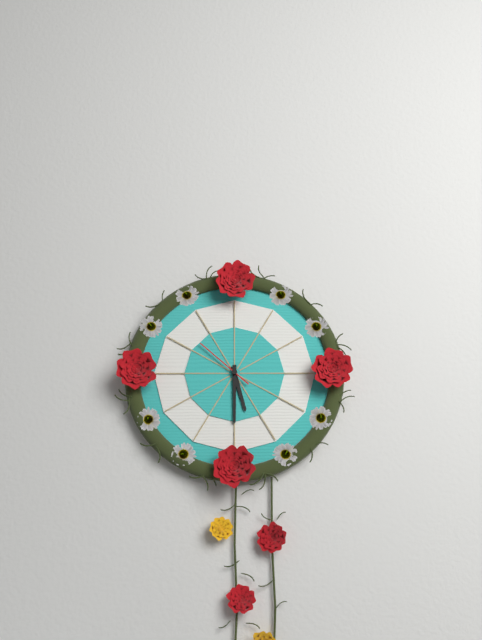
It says 5:30:52
